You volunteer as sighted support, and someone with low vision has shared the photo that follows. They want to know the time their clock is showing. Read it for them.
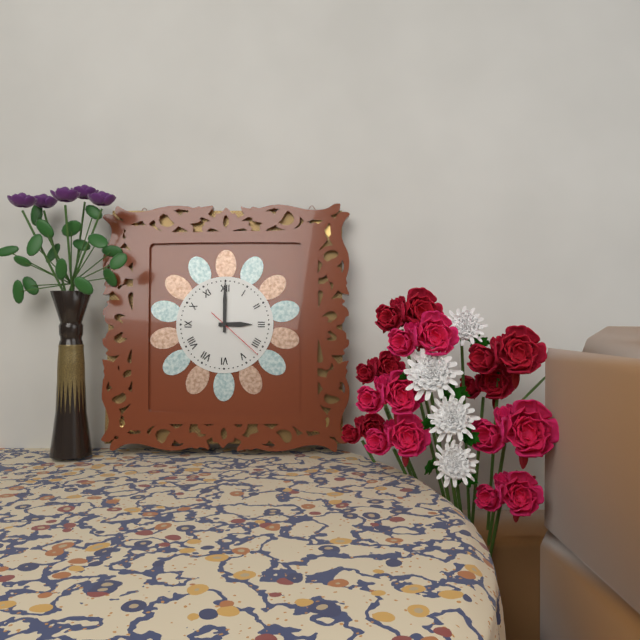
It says 3:00:22
